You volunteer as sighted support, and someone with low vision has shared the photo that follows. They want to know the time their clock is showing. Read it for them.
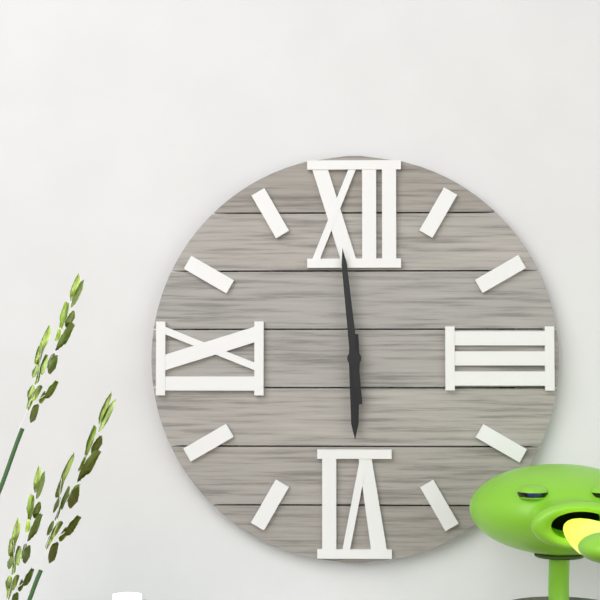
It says 5:59
